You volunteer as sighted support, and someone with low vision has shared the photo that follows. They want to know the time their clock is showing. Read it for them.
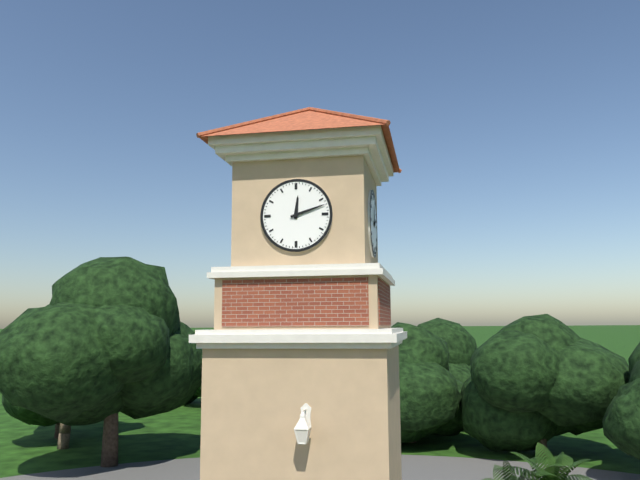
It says 12:12
